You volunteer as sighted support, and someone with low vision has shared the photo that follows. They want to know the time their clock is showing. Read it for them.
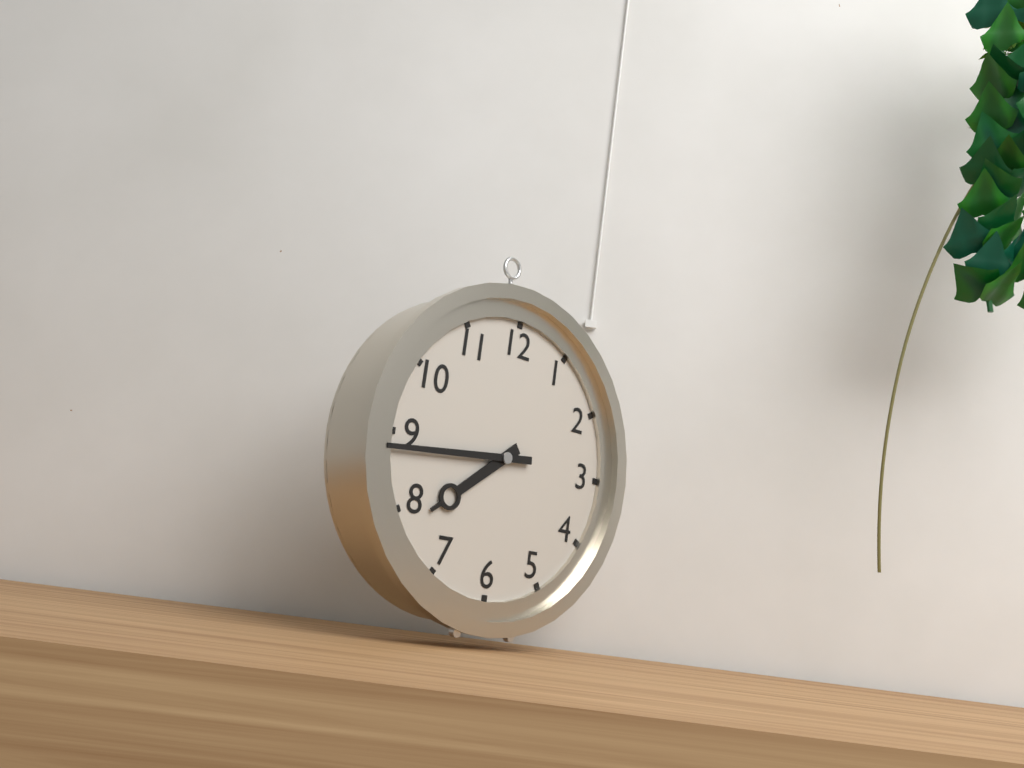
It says 7:44
